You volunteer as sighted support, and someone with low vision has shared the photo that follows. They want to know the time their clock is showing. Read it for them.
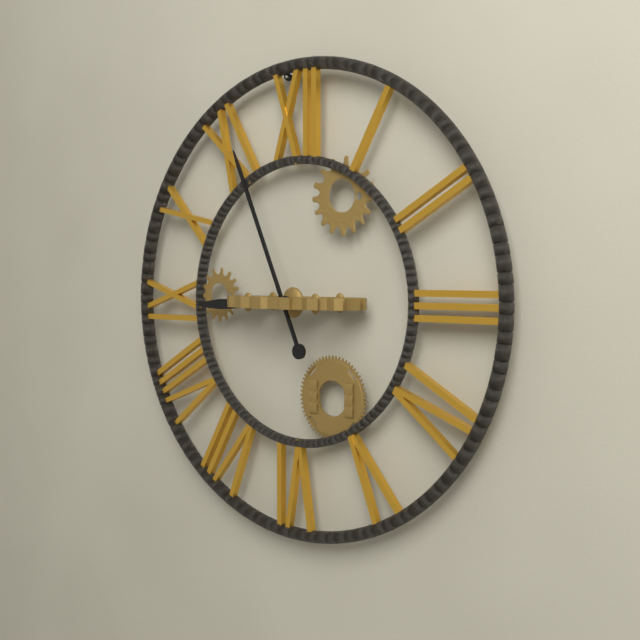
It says 8:56
